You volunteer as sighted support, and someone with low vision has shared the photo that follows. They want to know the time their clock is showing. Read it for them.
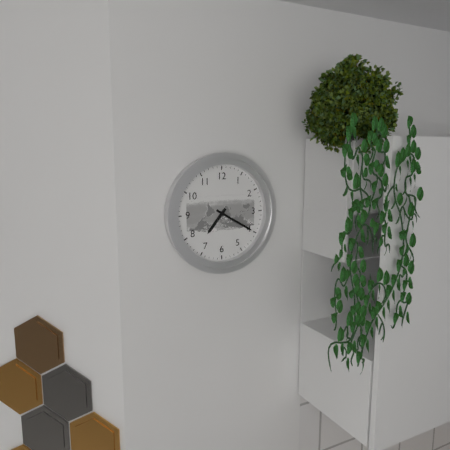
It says 7:20
